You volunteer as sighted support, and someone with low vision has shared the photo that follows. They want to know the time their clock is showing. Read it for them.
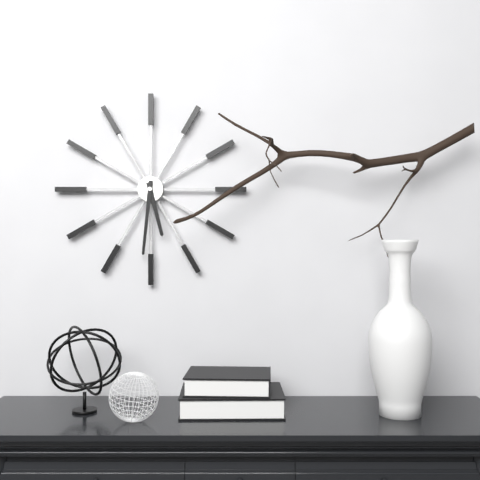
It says 5:31
